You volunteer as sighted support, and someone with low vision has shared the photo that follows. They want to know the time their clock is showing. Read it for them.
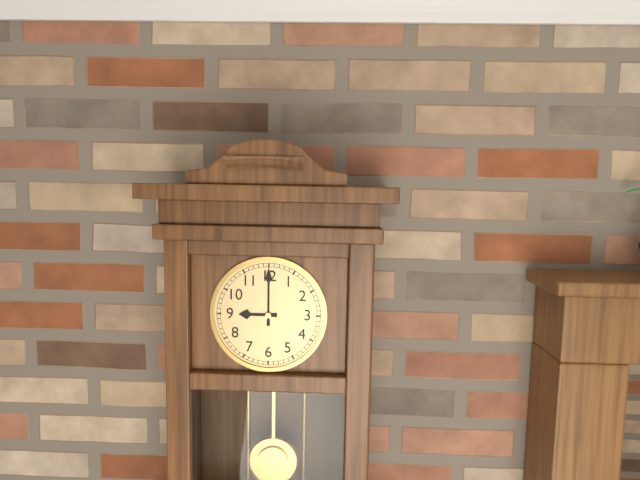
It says 9:00
